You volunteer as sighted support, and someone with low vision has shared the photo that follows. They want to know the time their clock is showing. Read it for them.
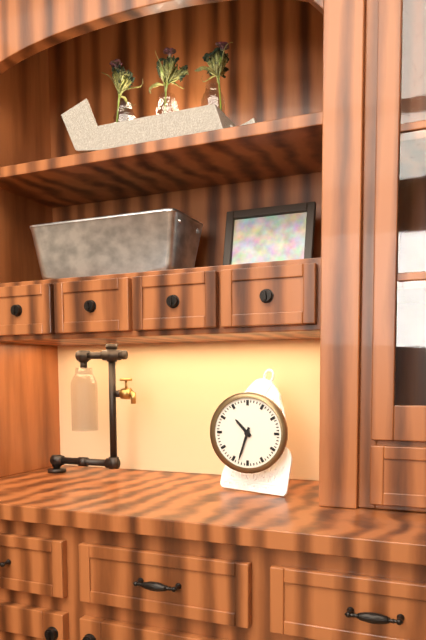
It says 10:33
